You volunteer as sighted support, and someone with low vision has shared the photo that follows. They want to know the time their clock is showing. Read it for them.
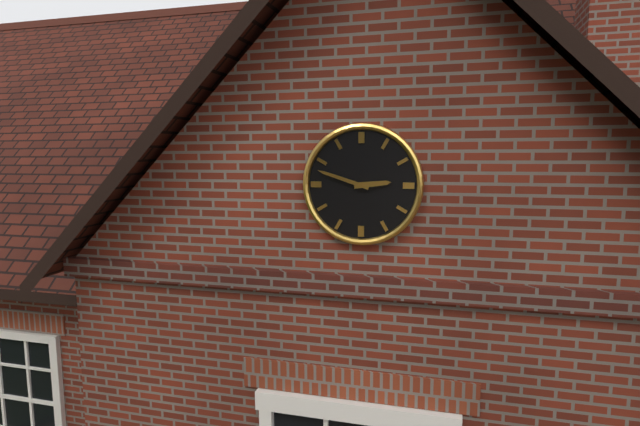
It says 2:48
